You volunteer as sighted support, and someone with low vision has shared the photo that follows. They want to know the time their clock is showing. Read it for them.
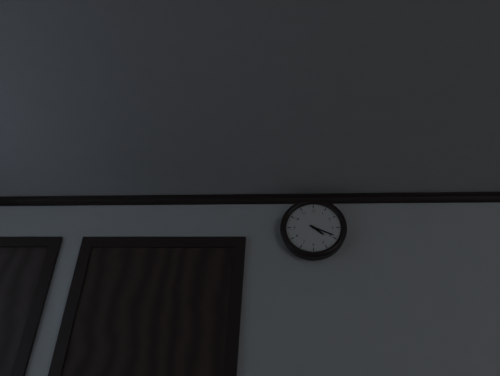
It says 4:19
